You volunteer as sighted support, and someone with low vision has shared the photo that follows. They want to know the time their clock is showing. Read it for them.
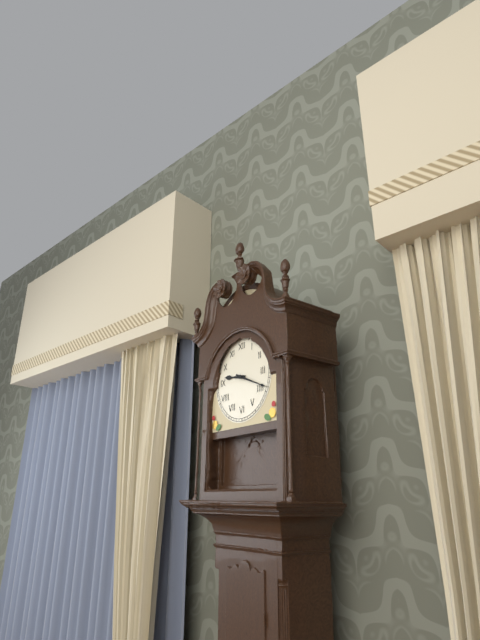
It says 9:19
